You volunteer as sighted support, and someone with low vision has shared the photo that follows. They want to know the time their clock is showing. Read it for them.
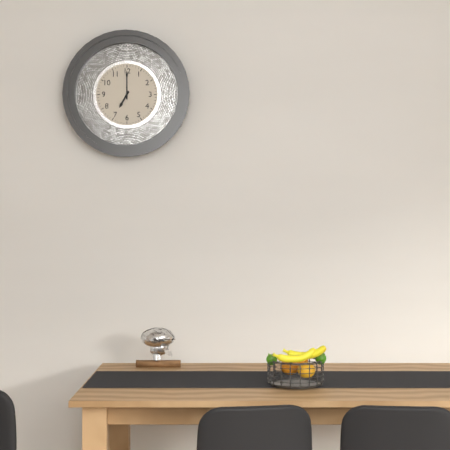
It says 7:00
